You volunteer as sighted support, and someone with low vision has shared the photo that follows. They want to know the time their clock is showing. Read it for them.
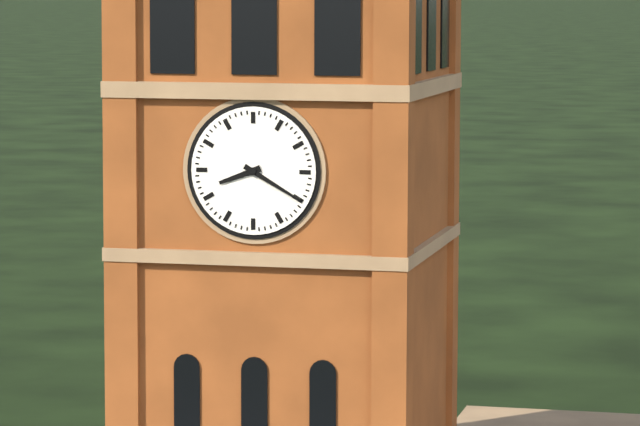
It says 8:20
